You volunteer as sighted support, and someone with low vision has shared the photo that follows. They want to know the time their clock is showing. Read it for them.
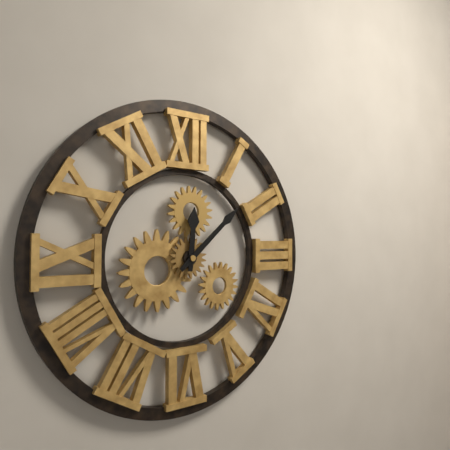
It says 12:08
